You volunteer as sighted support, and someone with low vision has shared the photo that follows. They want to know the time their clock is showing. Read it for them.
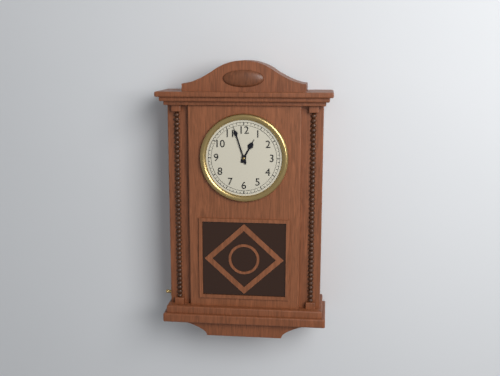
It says 12:57
